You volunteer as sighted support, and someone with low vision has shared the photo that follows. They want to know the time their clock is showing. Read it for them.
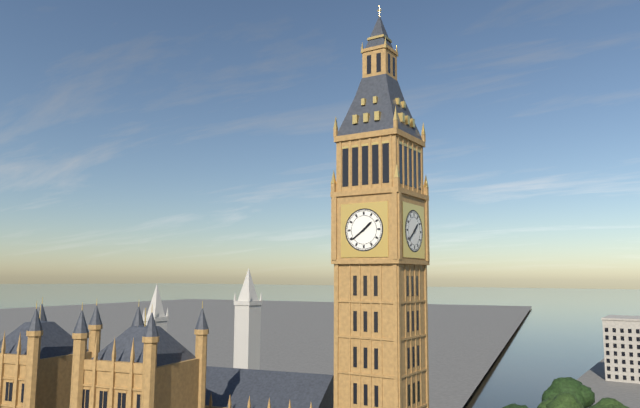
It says 1:39
